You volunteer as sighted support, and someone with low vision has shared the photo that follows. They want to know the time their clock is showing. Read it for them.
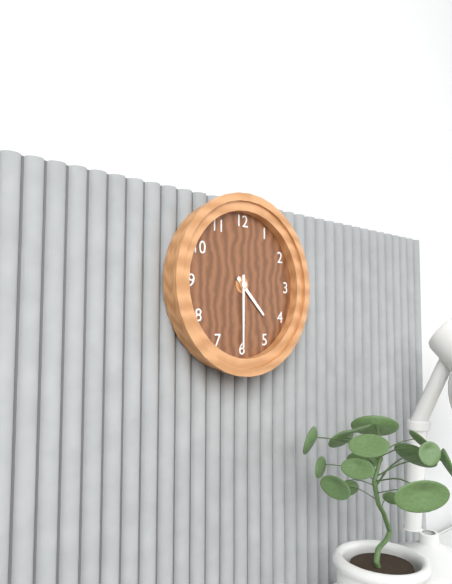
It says 4:30
